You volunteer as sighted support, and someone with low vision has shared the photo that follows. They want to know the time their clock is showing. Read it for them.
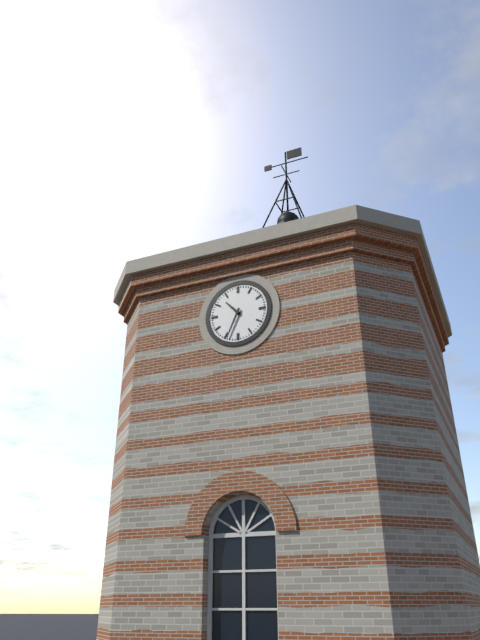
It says 10:34
